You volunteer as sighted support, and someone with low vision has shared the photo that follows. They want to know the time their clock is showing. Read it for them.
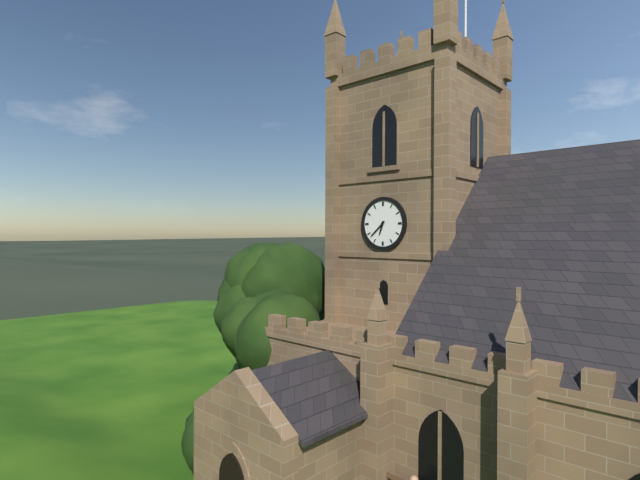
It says 6:38
